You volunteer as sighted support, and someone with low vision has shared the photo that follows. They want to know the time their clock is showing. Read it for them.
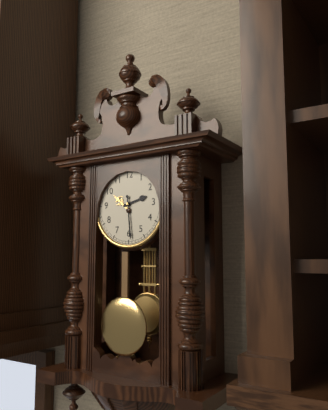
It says 2:29
